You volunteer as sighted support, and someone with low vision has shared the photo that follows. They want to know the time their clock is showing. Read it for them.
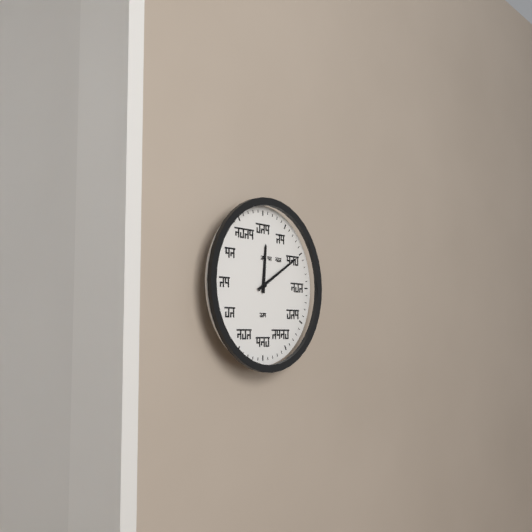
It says 12:10
